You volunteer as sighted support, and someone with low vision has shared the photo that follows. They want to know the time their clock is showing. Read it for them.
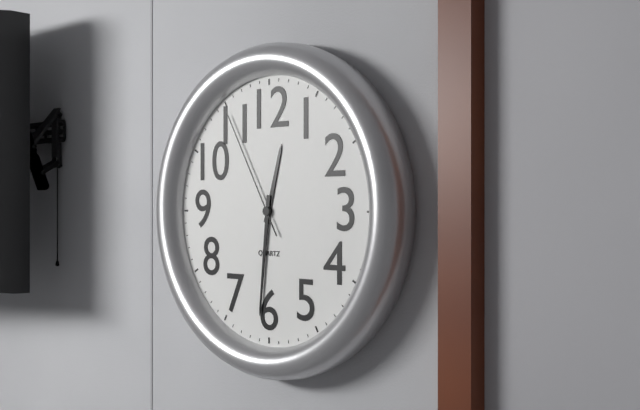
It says 12:31:55
